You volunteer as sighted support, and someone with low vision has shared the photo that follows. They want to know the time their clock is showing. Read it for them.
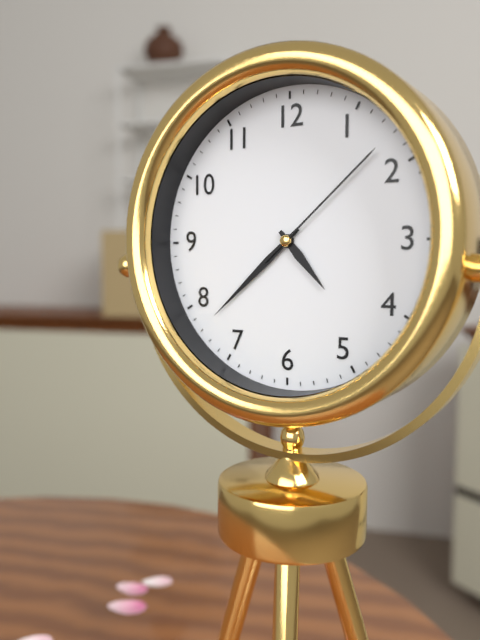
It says 4:38:08
